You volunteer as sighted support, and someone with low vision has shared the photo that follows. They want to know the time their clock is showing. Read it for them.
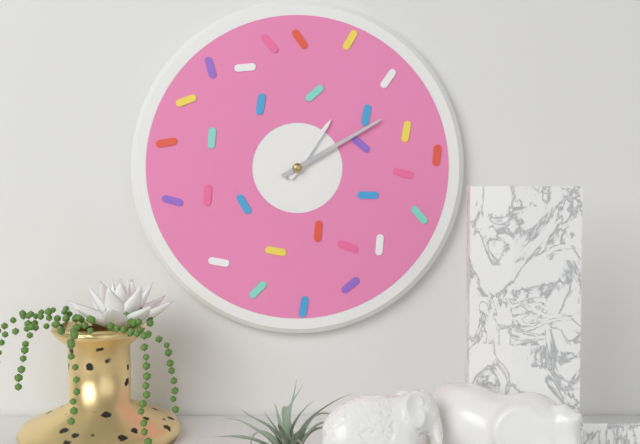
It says 1:10
